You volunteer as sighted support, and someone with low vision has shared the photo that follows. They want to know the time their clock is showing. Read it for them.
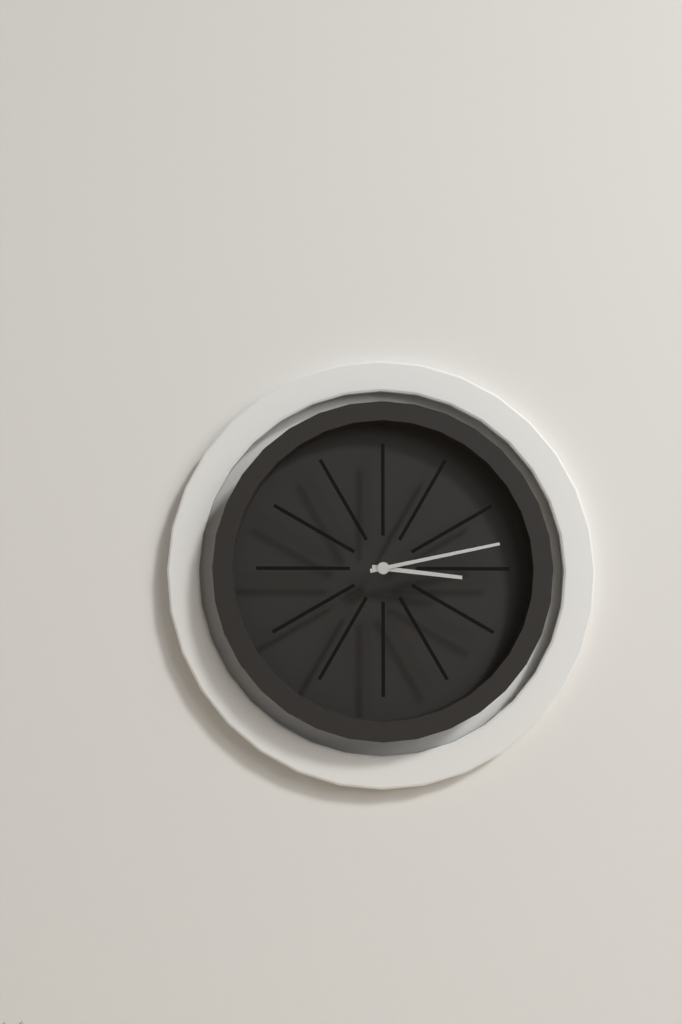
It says 3:13
